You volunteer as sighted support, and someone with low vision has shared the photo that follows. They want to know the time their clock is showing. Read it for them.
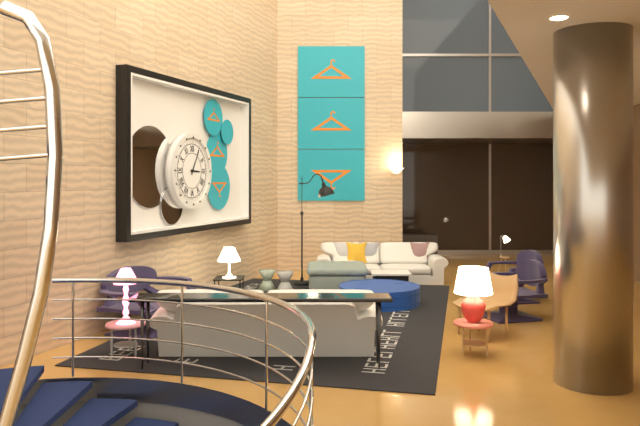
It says 3:05
